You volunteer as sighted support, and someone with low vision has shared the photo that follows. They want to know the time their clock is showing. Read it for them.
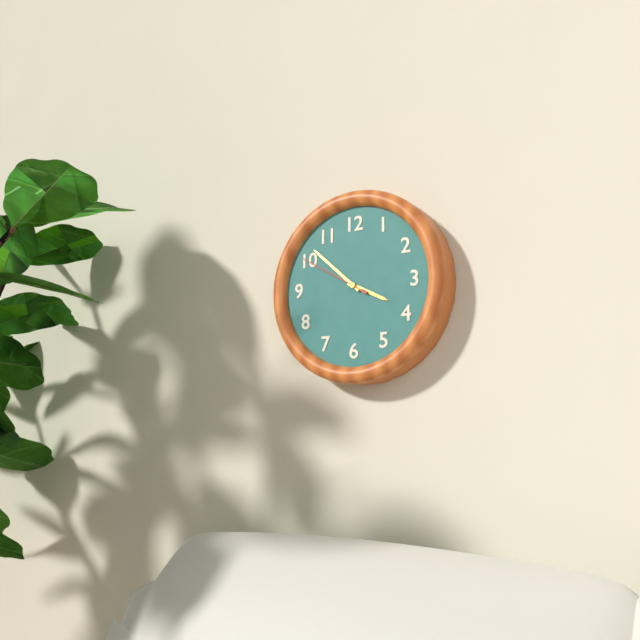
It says 3:52:50
